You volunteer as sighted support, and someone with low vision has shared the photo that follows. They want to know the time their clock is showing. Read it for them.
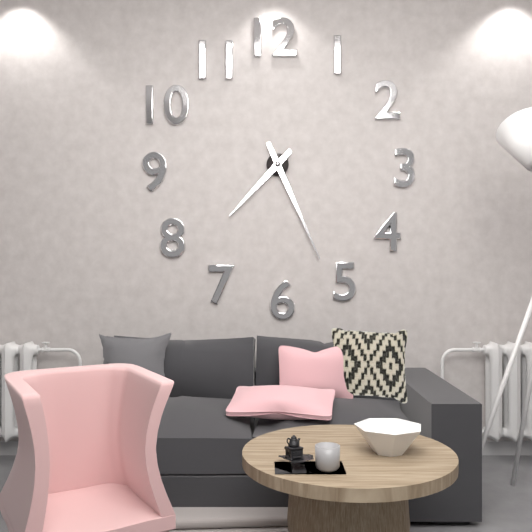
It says 7:26
